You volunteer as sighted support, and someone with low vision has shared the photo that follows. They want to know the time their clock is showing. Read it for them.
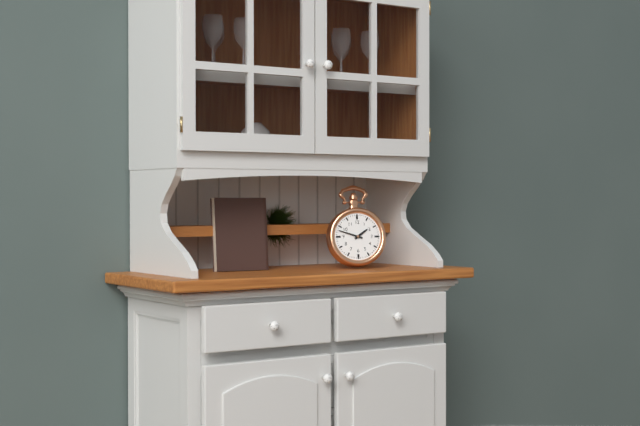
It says 1:48
